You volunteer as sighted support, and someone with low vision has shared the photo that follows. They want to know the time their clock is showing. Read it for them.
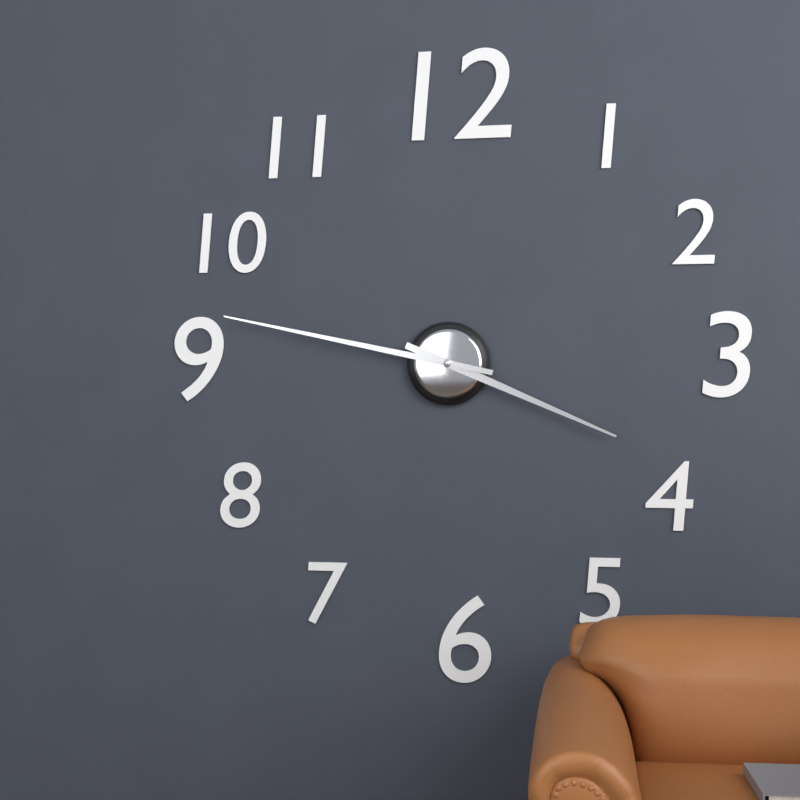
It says 3:47
